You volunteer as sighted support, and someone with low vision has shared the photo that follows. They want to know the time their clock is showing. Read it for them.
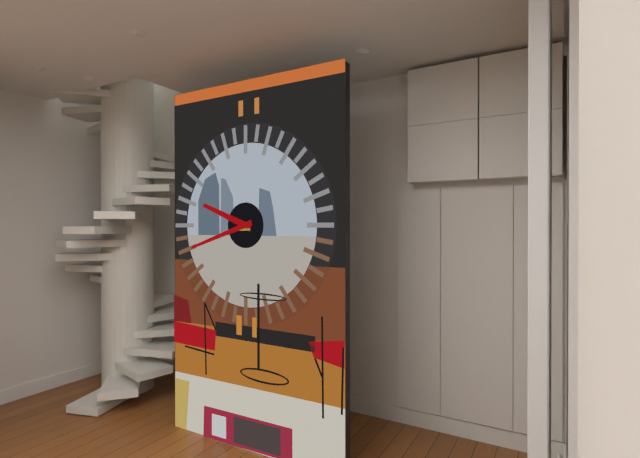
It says 9:42
